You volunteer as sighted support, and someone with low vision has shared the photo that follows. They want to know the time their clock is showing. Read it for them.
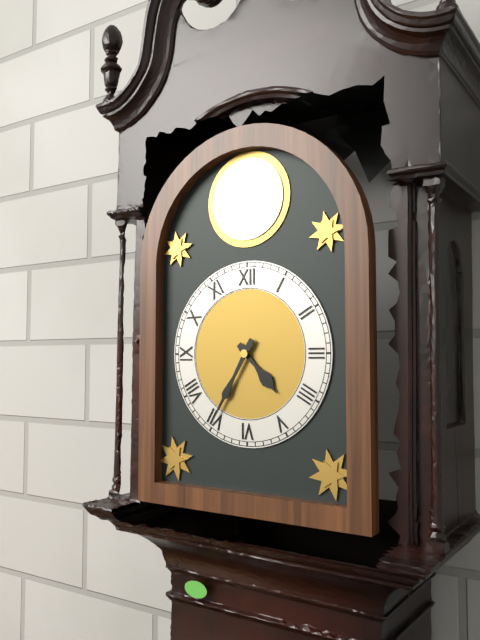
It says 4:35
